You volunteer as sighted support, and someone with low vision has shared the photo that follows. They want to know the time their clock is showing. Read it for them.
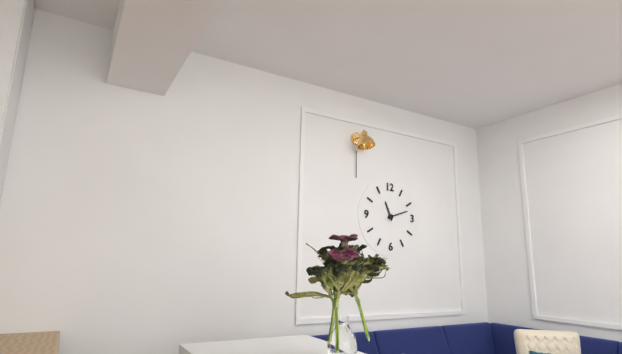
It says 11:12
